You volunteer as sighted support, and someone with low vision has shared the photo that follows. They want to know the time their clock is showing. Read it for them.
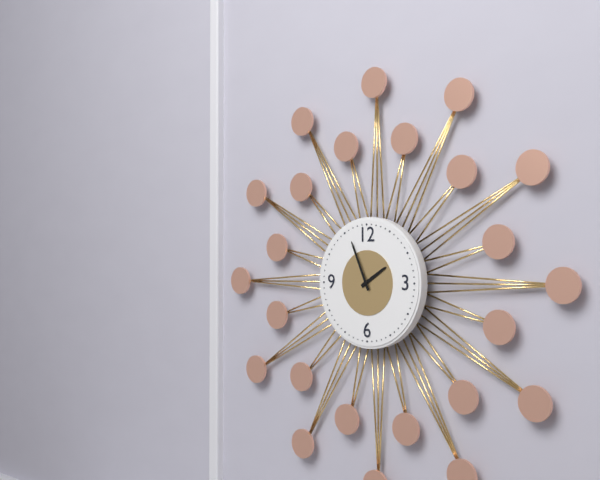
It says 1:56
